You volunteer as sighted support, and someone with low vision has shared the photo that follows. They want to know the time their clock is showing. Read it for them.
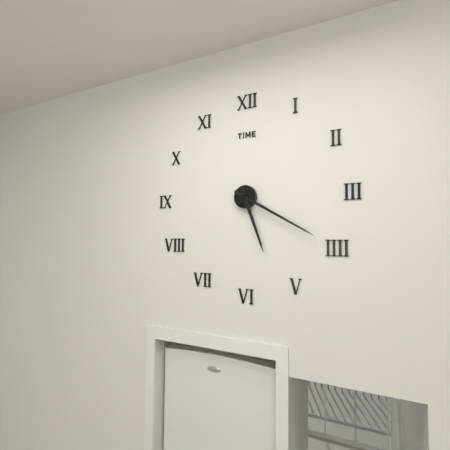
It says 5:20
